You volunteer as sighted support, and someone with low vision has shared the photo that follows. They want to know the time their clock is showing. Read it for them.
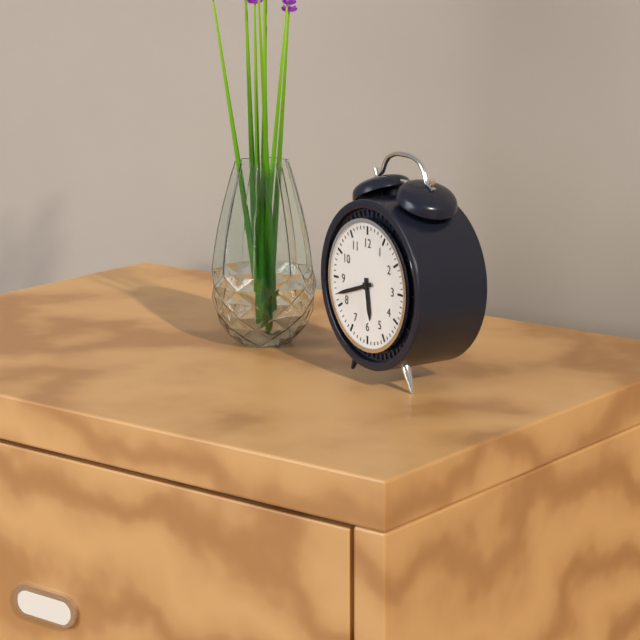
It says 5:42
